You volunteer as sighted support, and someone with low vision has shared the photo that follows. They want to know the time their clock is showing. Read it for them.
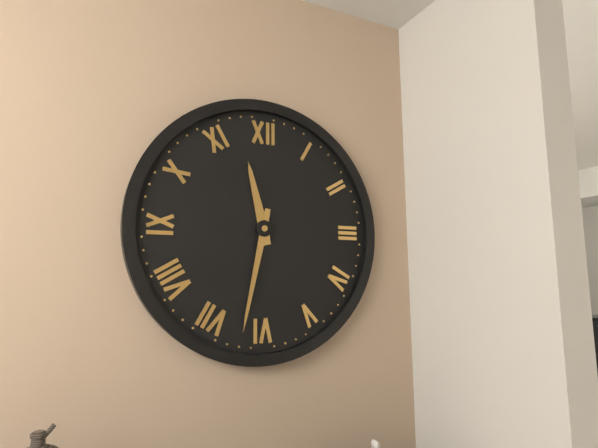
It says 11:32
